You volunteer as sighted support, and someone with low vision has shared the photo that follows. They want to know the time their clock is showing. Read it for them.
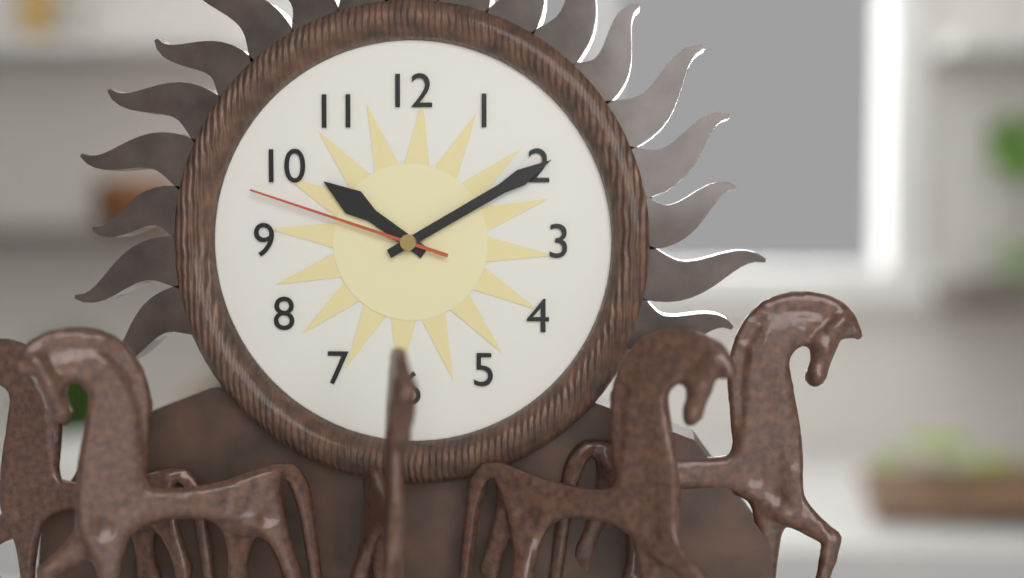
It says 10:10:48
